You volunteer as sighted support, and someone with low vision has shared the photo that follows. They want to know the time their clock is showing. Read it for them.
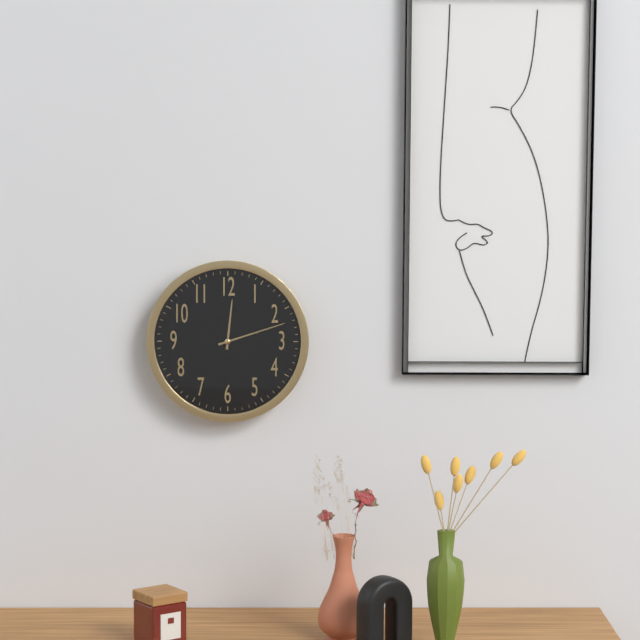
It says 12:12
